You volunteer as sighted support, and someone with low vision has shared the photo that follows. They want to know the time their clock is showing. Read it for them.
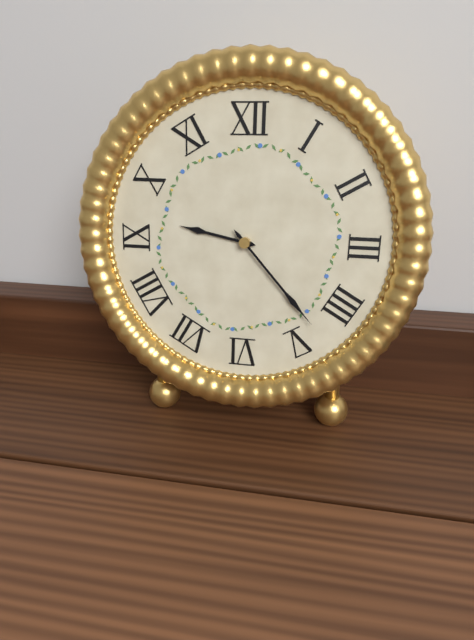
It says 9:23
